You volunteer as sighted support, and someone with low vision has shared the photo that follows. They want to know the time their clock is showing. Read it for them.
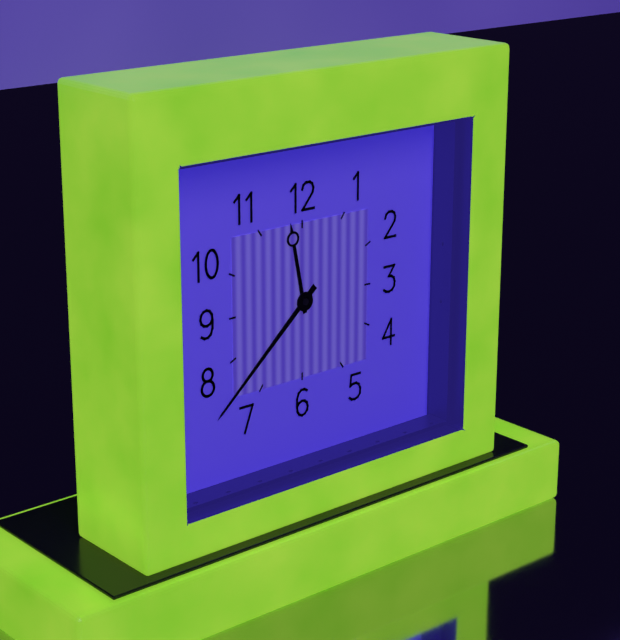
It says 11:38
